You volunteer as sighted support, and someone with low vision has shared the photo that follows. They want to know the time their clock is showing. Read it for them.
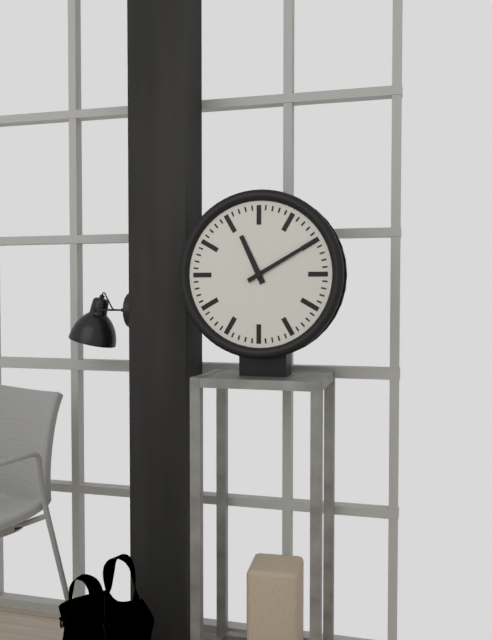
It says 11:10
